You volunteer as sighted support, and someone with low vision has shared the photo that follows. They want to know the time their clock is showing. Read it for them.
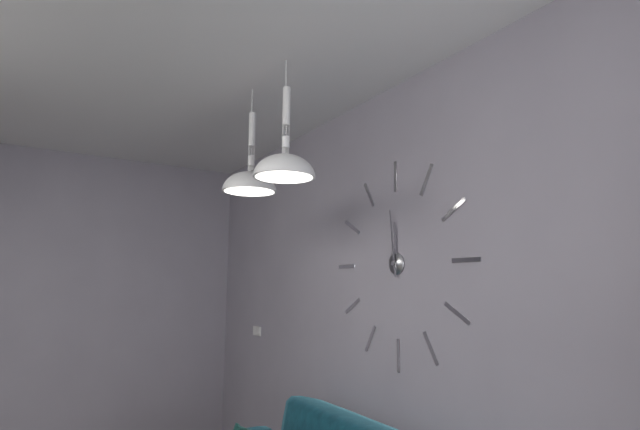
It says 11:59
